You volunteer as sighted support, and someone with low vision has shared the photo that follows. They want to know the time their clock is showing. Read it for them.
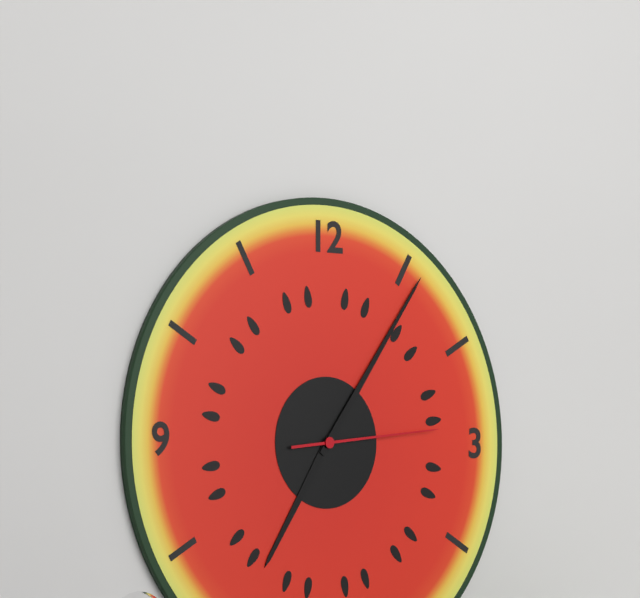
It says 7:06:14
